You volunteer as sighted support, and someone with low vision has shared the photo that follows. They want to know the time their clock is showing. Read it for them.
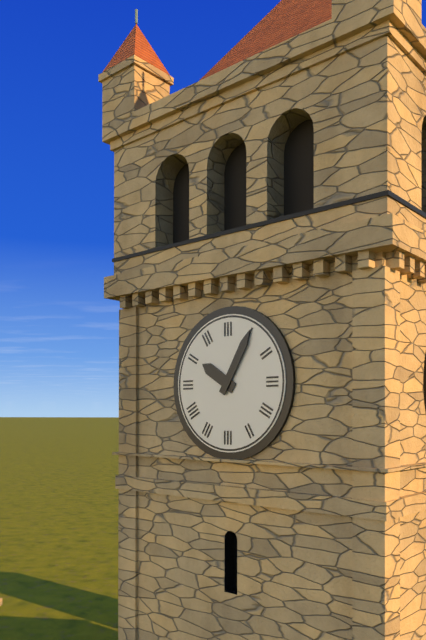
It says 10:05
